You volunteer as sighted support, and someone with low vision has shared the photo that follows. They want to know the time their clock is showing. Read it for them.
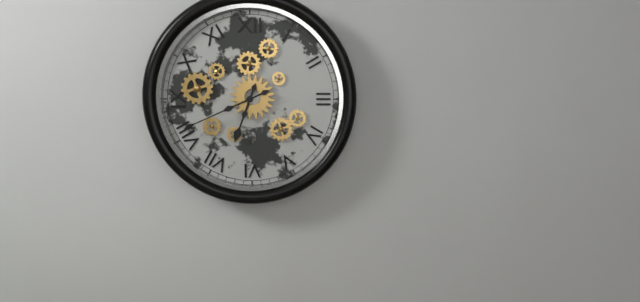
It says 6:41
